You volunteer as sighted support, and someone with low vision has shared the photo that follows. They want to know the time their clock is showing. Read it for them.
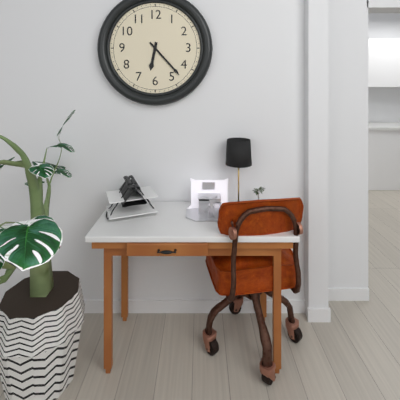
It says 6:23
